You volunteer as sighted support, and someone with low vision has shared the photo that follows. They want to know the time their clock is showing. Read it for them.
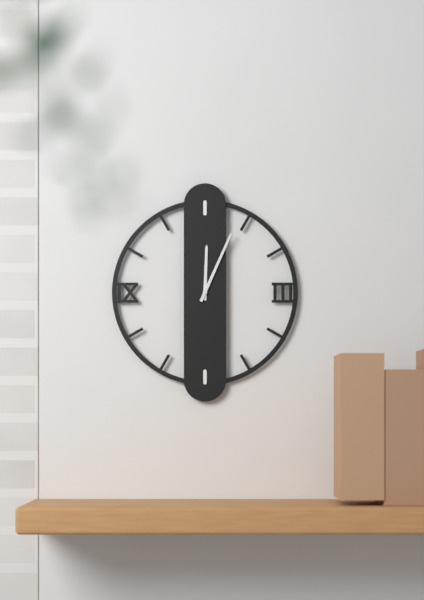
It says 12:04
